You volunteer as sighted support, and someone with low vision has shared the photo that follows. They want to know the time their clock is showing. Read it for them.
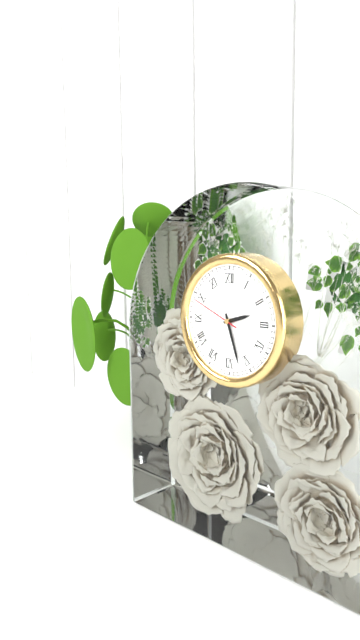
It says 2:27:49
